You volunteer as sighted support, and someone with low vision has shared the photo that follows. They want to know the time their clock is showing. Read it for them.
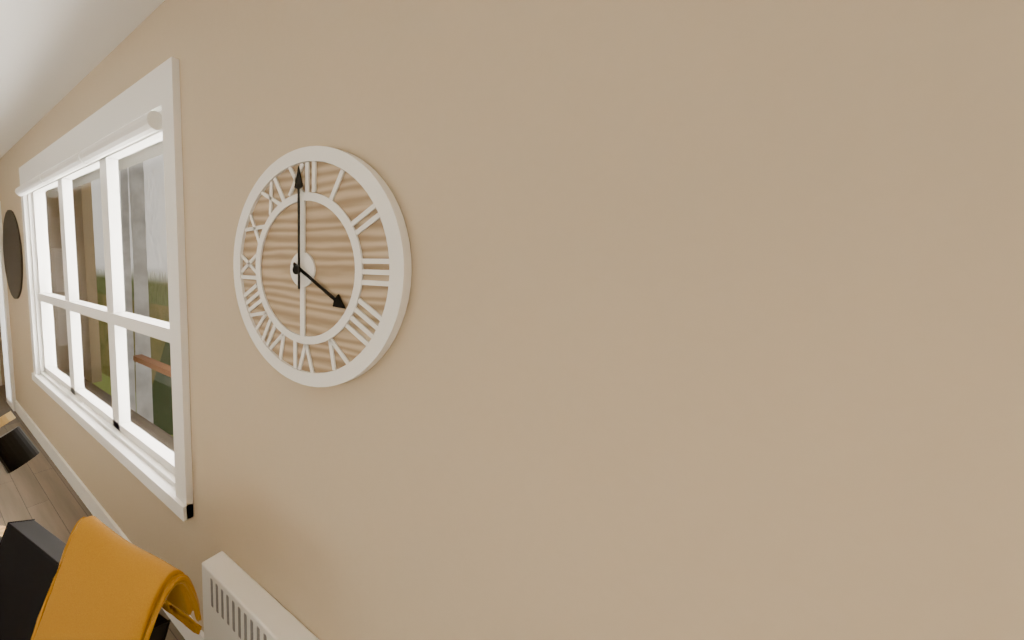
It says 4:00
